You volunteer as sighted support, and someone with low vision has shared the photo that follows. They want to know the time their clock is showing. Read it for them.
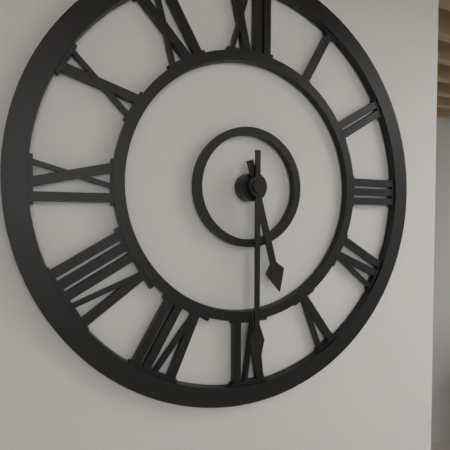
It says 5:30
